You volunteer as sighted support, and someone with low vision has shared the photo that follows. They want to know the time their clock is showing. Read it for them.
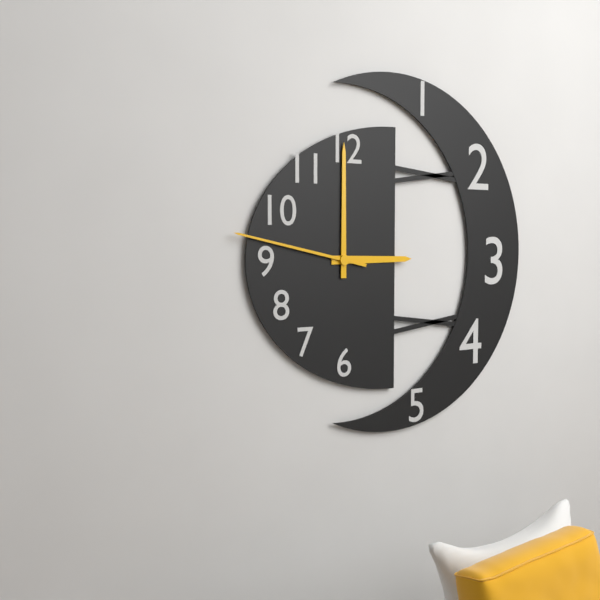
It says 3:00:47
